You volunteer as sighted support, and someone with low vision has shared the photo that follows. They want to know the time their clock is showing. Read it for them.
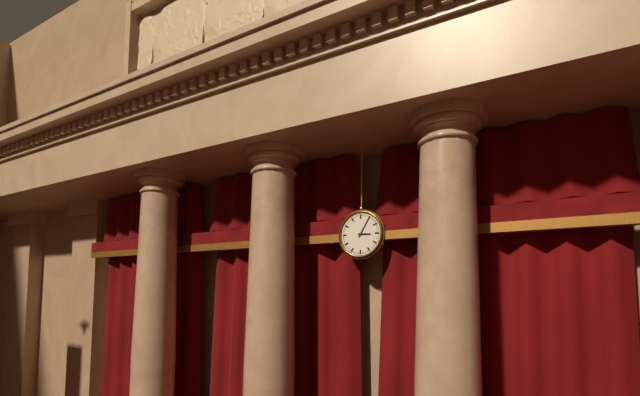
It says 3:05
